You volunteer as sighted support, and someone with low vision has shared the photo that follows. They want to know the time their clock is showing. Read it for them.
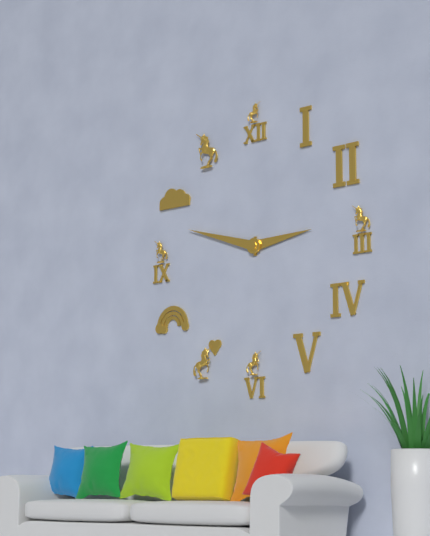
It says 2:48
